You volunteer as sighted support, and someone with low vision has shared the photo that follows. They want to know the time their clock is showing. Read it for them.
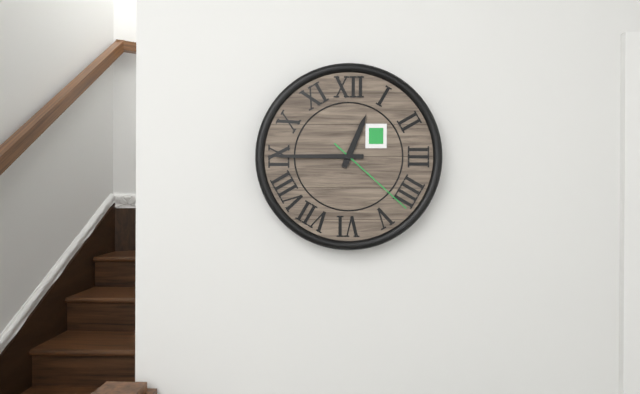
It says 12:45:22
